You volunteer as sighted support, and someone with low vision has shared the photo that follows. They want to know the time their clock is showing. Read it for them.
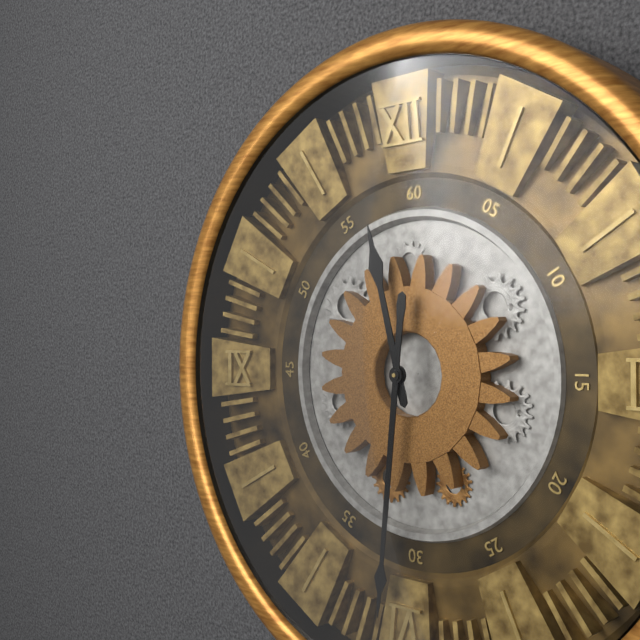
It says 11:31
